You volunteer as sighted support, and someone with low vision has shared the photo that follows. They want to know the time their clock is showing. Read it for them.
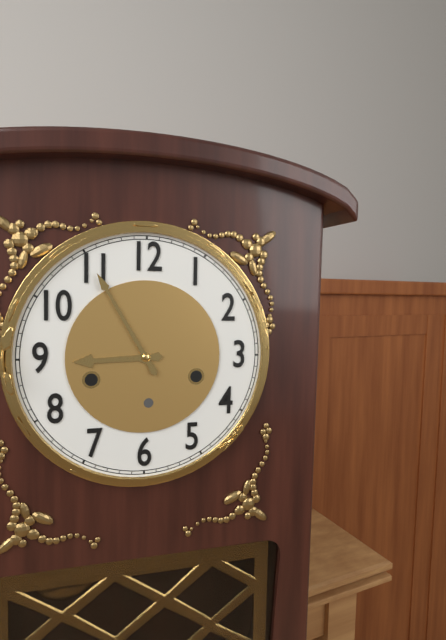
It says 8:55
